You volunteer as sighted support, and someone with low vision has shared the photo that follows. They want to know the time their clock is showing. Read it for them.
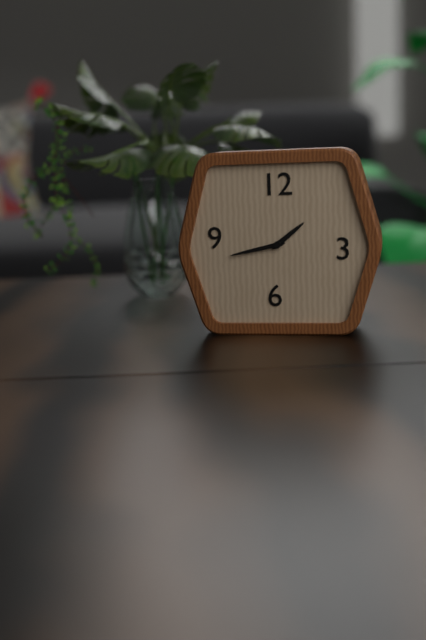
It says 1:43
